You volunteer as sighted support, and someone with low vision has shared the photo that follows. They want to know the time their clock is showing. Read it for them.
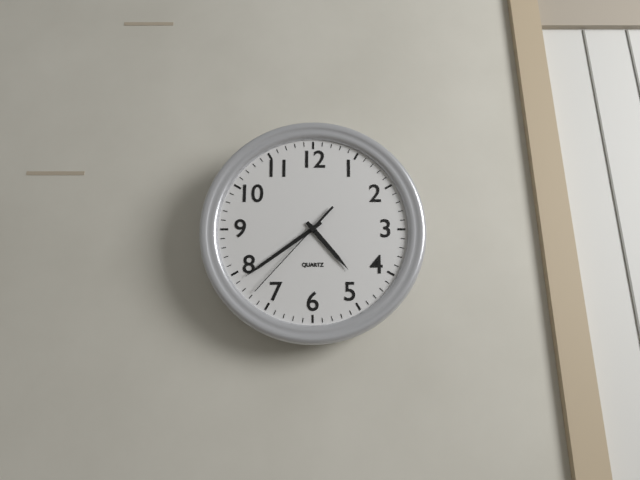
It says 4:39:37
